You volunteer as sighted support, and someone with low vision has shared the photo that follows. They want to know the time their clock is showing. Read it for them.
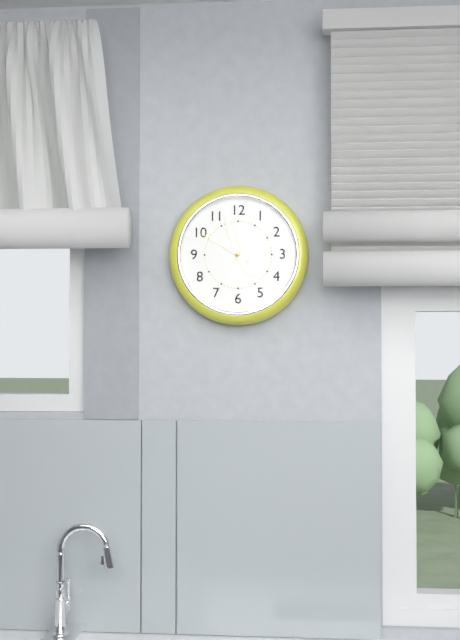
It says 4:57:50
